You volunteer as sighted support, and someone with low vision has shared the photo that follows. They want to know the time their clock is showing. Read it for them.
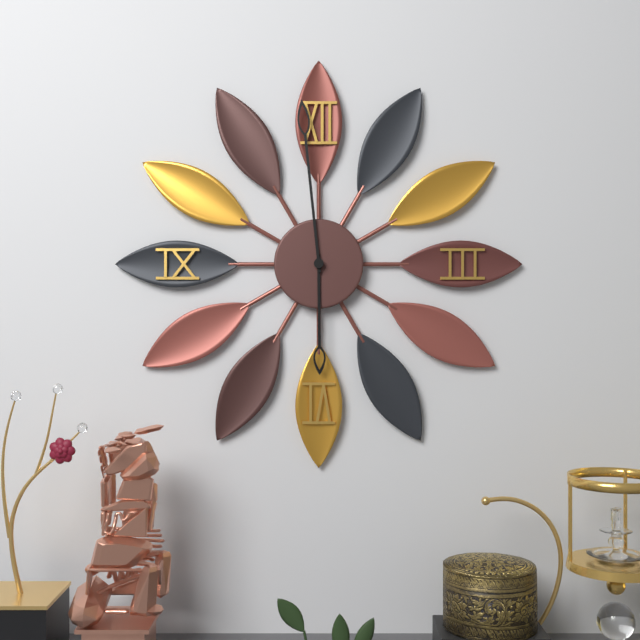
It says 5:59
